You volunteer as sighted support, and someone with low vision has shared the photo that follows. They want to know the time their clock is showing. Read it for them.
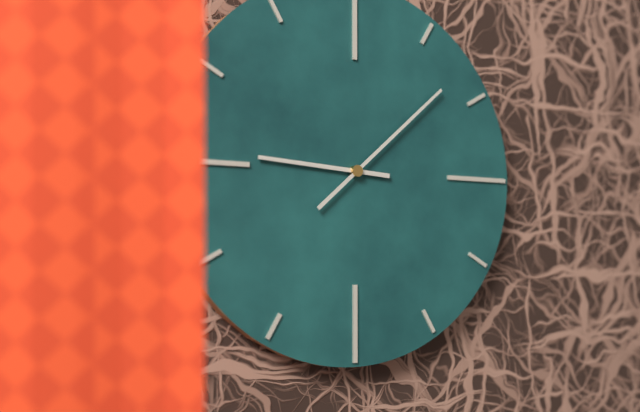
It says 9:08
